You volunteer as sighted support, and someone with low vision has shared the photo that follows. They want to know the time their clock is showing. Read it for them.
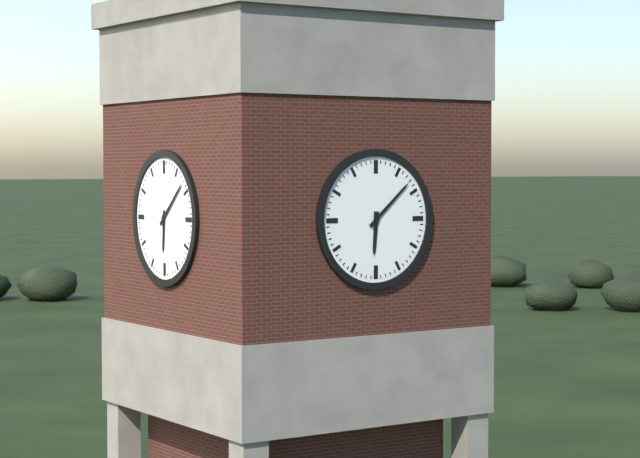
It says 6:08
